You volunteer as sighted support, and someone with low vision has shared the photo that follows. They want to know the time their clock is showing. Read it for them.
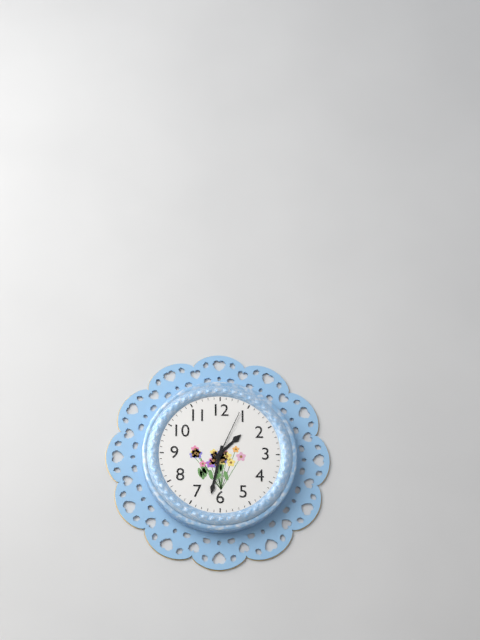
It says 1:32:04
